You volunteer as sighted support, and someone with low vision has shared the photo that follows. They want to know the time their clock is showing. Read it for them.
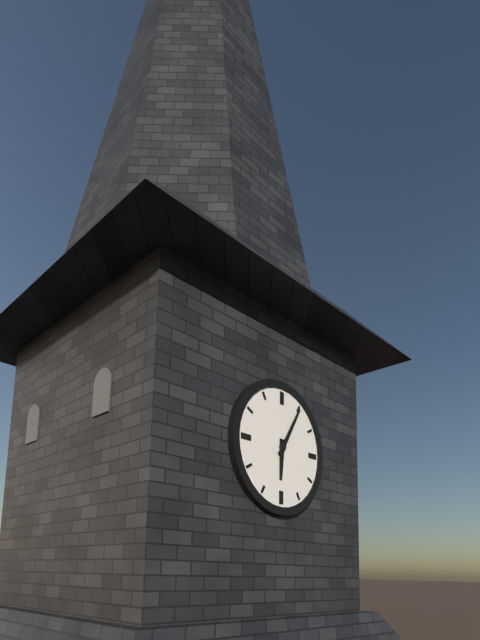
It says 6:05
